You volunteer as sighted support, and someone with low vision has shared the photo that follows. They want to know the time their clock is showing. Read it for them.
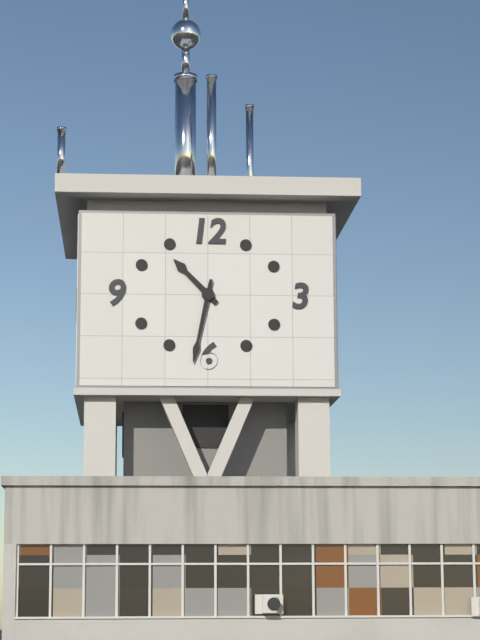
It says 10:32
